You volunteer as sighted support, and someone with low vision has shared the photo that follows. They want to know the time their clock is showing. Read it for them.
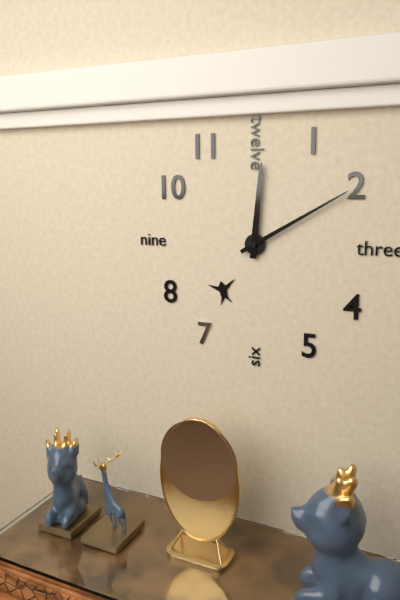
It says 12:10
